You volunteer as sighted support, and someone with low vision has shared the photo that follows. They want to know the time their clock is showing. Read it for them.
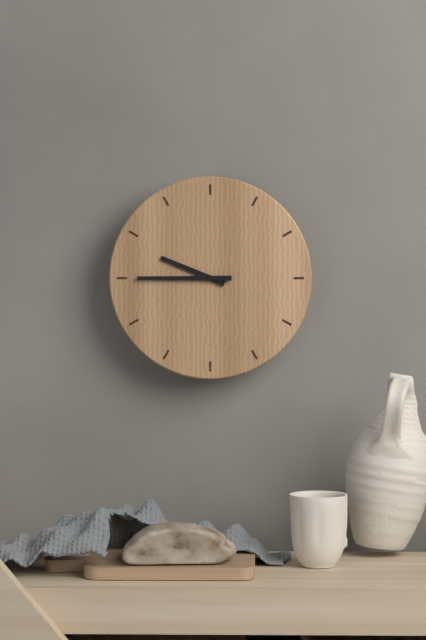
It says 9:45
